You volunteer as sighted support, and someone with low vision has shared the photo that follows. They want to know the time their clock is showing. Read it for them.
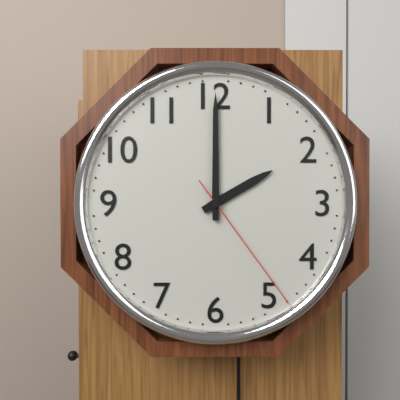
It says 2:00:24
